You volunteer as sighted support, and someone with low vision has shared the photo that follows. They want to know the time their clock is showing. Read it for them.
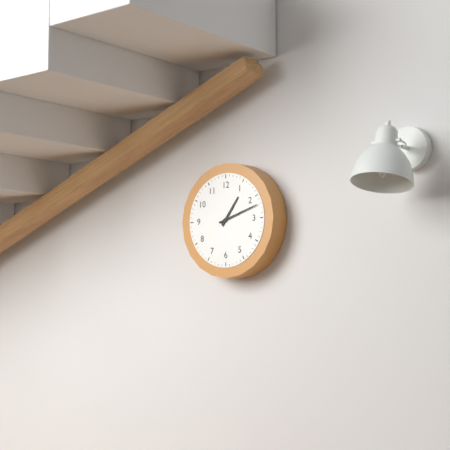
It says 1:12
